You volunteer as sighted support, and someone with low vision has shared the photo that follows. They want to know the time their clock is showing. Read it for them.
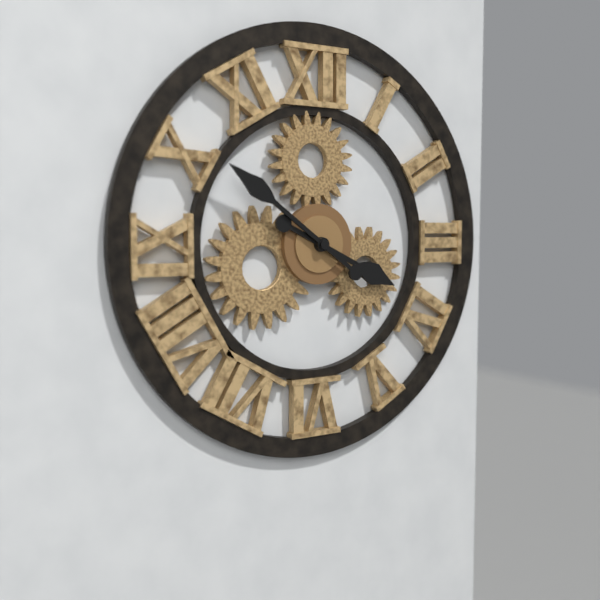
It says 3:51
